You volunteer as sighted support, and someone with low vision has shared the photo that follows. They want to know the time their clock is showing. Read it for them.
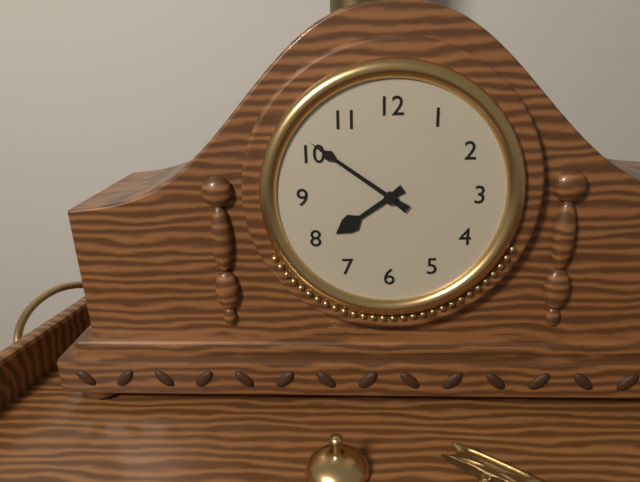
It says 7:51
